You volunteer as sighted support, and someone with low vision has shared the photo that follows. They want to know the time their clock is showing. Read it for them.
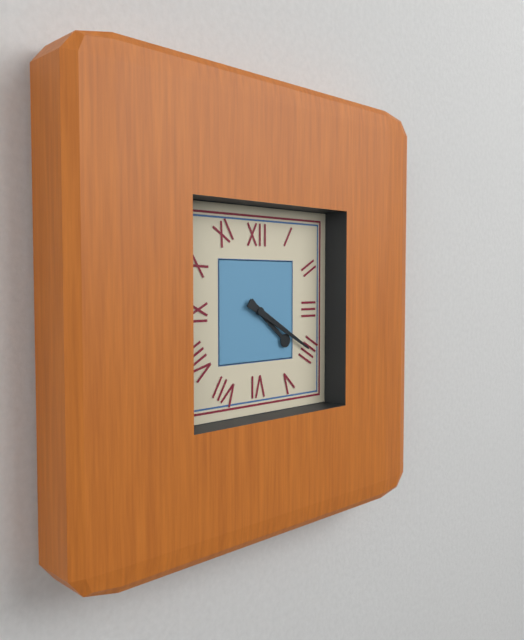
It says 4:20
